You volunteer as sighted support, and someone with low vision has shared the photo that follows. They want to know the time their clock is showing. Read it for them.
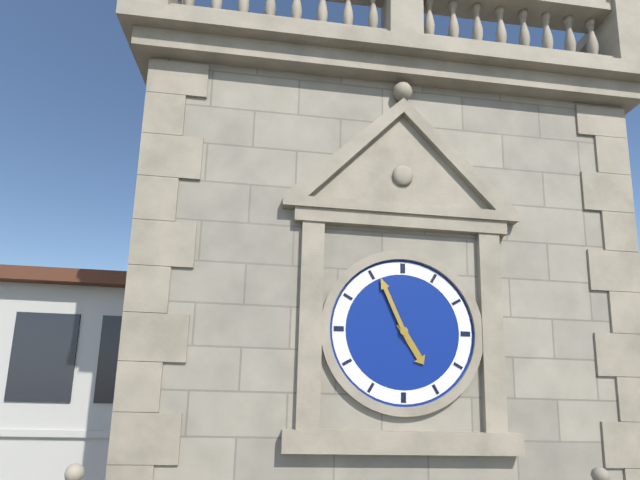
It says 4:56
